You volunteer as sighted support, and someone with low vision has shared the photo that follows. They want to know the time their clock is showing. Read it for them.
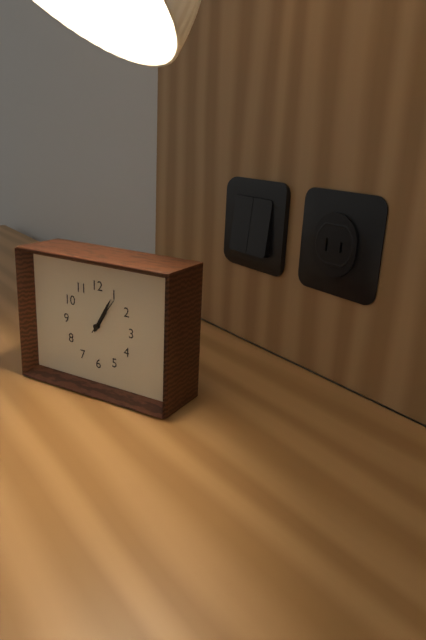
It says 1:05
